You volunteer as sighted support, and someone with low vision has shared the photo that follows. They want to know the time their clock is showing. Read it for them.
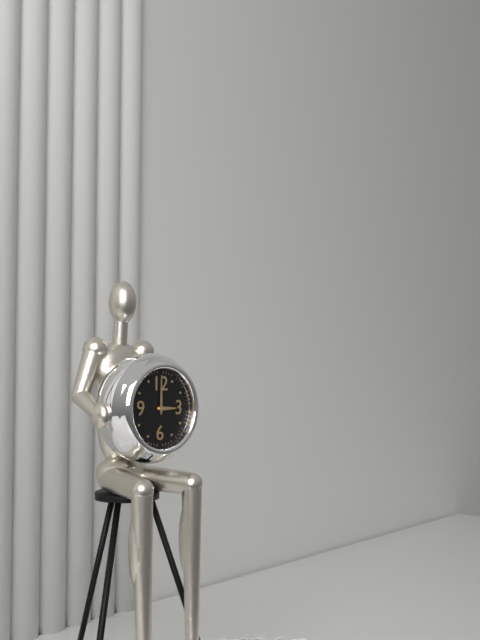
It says 3:00
